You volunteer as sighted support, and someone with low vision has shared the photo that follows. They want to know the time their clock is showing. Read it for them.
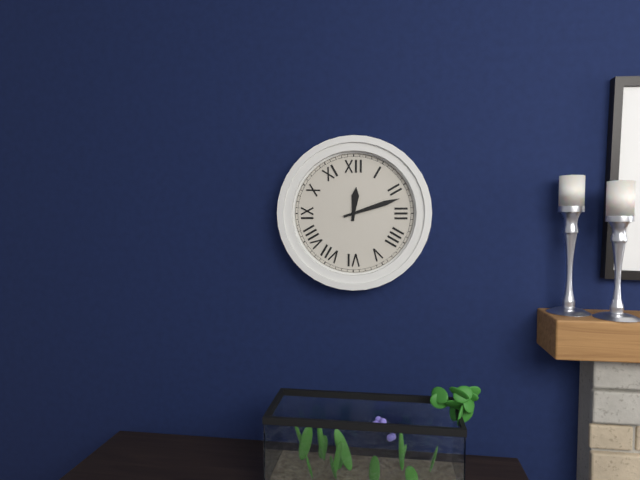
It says 12:12
